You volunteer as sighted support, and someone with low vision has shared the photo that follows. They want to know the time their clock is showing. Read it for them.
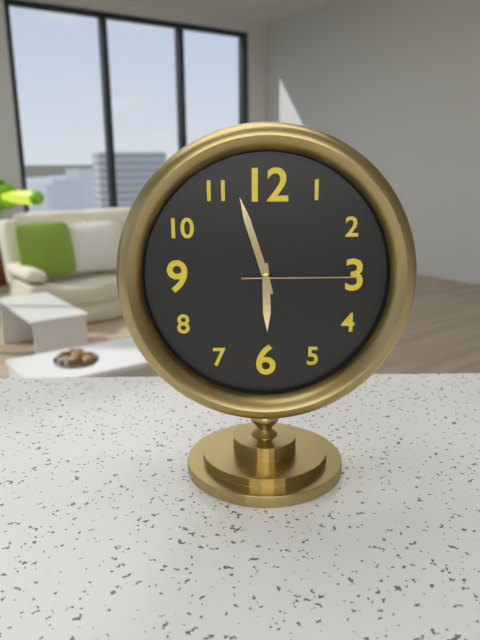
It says 5:57:15
